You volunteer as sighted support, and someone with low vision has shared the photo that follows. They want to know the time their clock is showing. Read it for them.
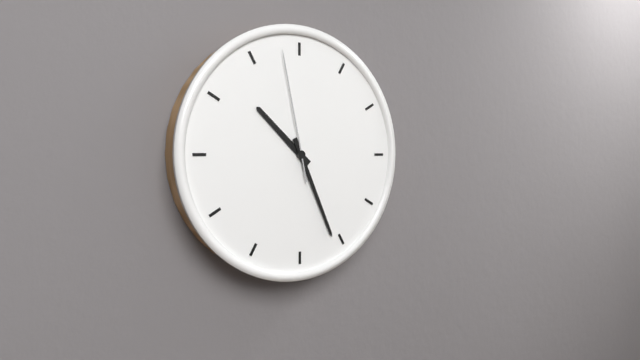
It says 10:26:58
